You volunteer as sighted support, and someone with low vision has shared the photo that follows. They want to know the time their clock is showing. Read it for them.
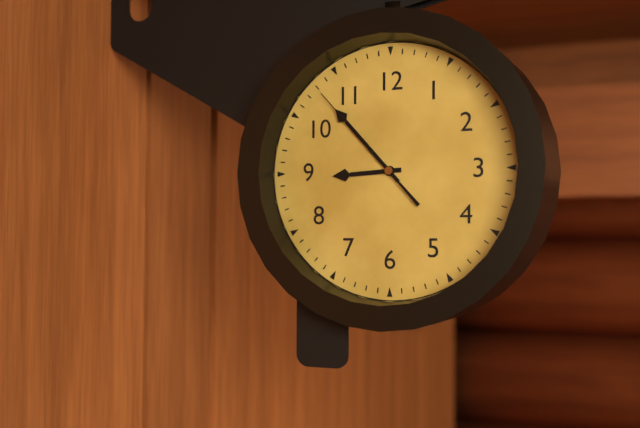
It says 8:53:53
